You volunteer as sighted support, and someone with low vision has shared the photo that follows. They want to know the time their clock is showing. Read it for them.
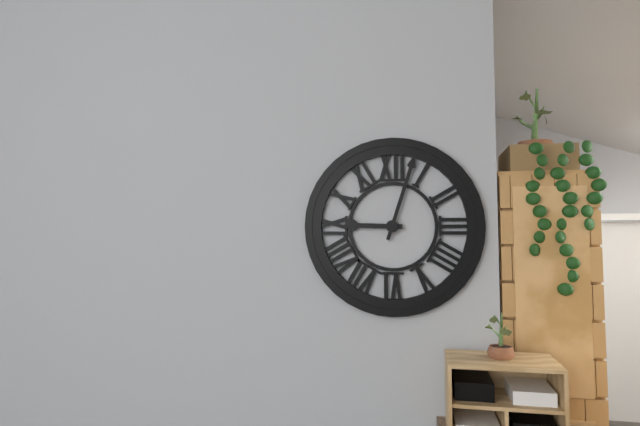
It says 9:03
